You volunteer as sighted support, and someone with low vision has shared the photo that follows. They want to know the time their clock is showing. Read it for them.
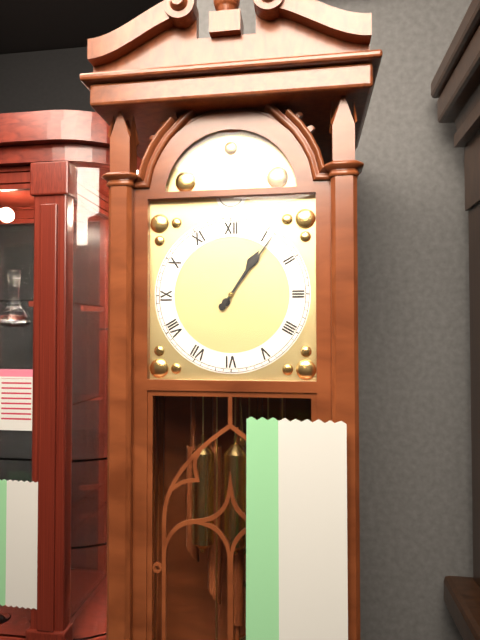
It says 1:06
